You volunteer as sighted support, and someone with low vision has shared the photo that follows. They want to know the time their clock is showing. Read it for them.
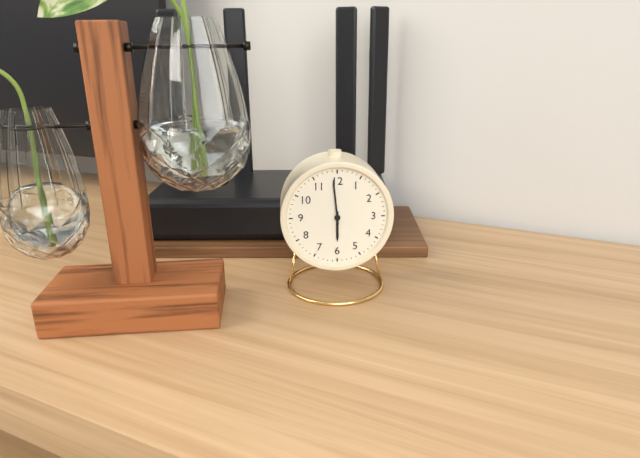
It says 5:59
